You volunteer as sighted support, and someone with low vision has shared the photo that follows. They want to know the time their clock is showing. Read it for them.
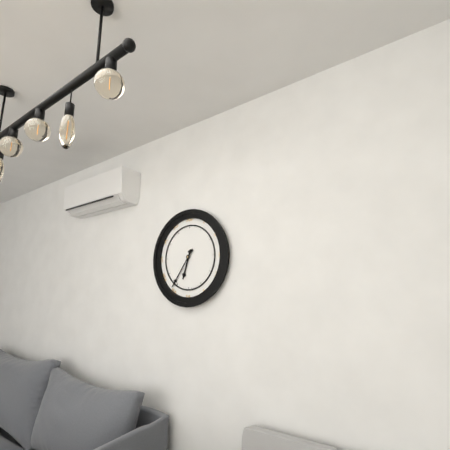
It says 6:36
